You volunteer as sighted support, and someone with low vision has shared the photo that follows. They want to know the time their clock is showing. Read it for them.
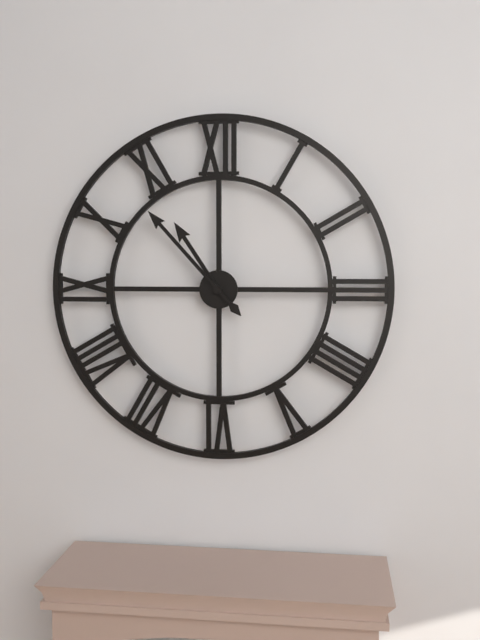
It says 10:53
